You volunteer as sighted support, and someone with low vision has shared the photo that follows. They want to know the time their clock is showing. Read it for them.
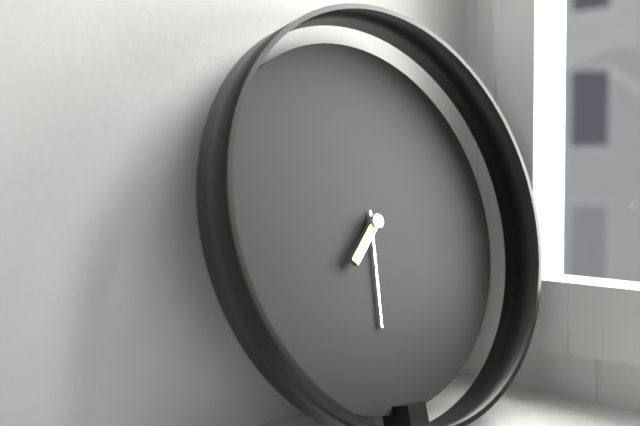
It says 7:31
